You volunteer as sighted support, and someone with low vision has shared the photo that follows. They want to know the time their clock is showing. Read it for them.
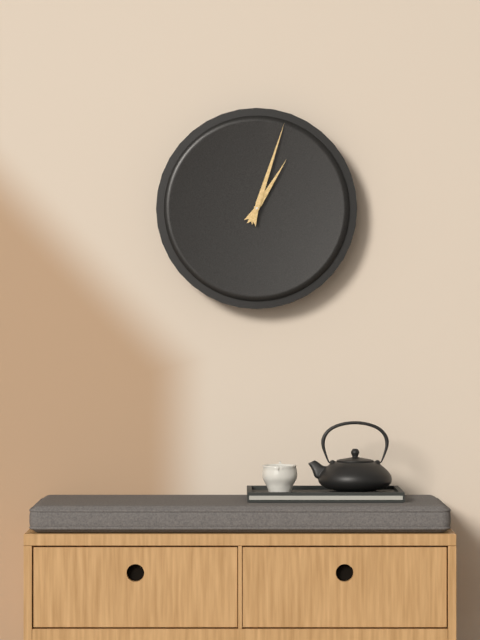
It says 1:03
